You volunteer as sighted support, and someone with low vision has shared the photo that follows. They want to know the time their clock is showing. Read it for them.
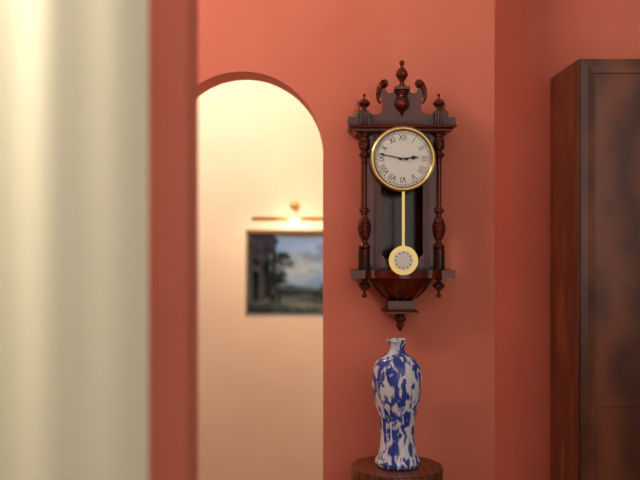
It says 2:47
